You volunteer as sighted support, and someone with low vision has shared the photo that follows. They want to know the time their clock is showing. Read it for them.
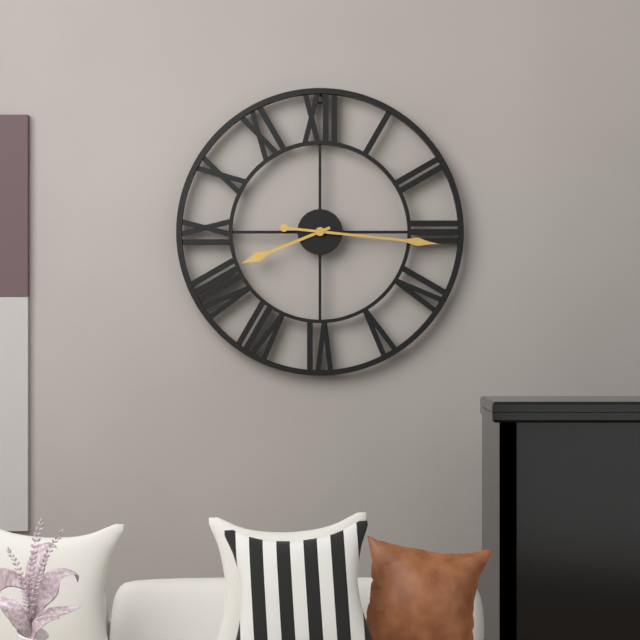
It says 8:16
